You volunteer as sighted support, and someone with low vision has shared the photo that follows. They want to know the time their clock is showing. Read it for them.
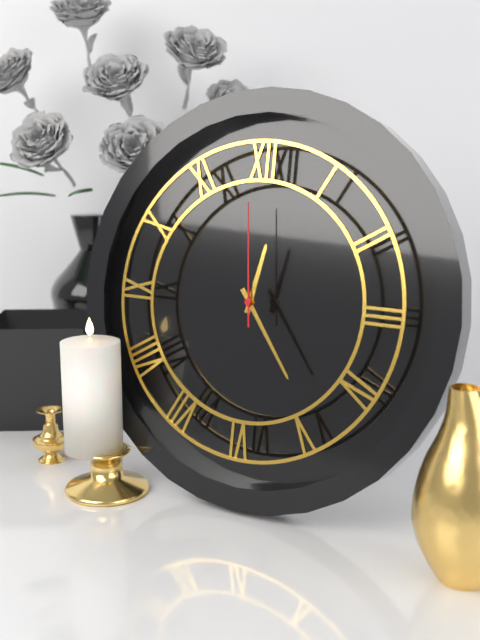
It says 12:24:59
